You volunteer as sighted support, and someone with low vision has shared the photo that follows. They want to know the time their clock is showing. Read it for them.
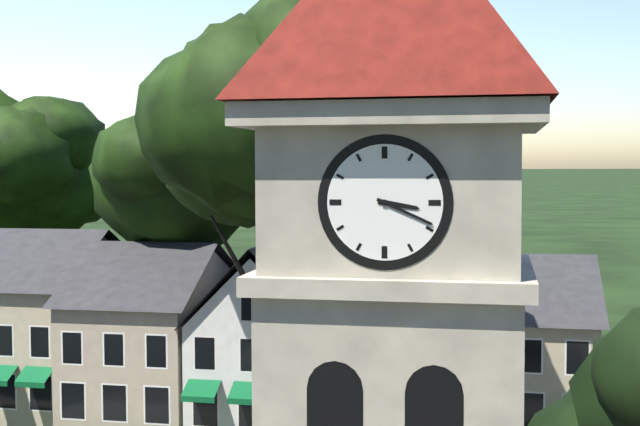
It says 3:19
